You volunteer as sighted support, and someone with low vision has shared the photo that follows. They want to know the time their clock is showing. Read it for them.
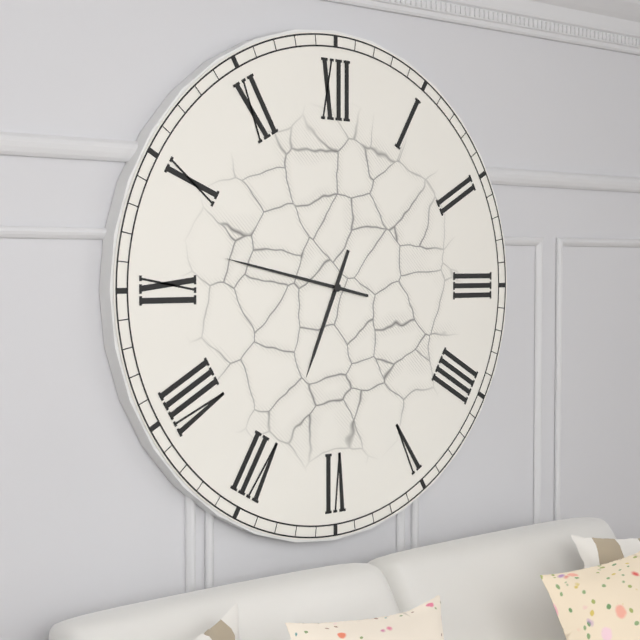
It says 6:47
